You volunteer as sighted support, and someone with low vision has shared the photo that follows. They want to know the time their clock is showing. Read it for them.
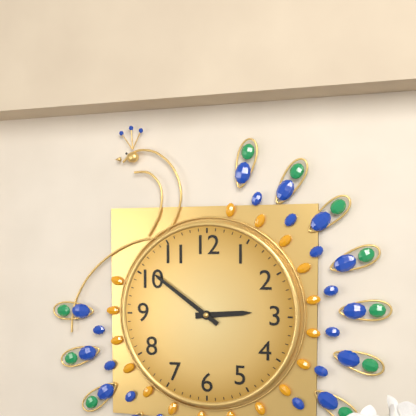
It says 2:51
